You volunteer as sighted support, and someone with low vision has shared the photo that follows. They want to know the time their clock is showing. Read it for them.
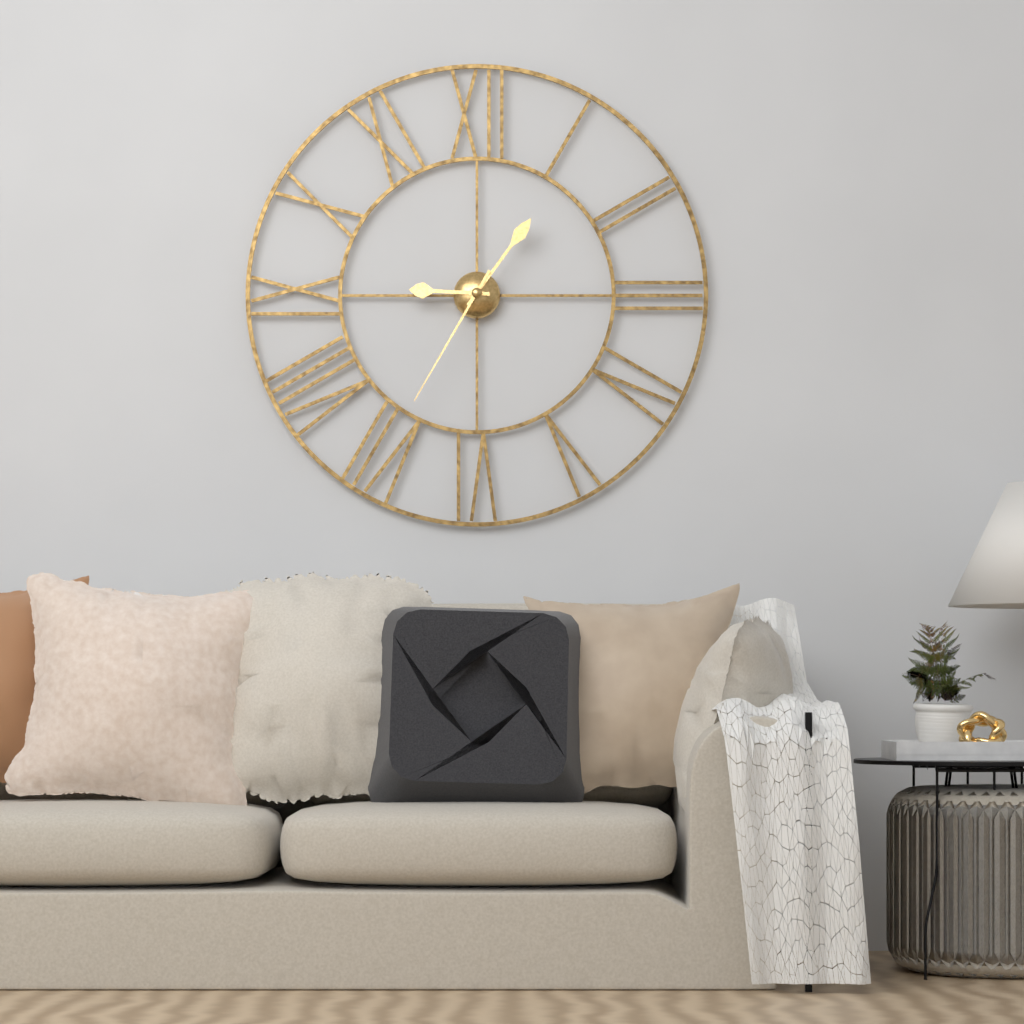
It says 9:06:35
